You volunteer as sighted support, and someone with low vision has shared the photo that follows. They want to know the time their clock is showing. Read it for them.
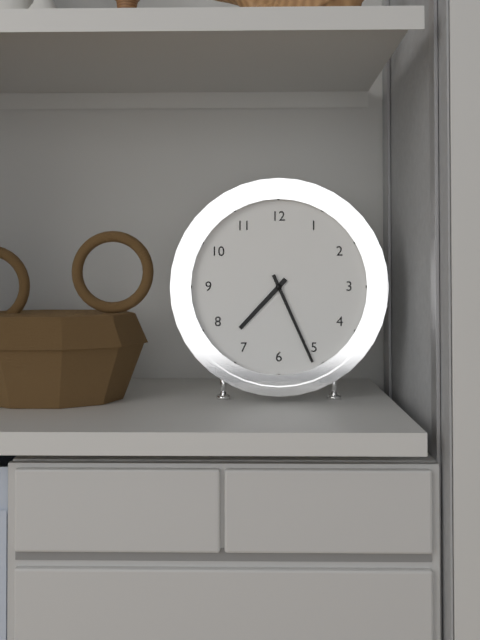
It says 7:26
